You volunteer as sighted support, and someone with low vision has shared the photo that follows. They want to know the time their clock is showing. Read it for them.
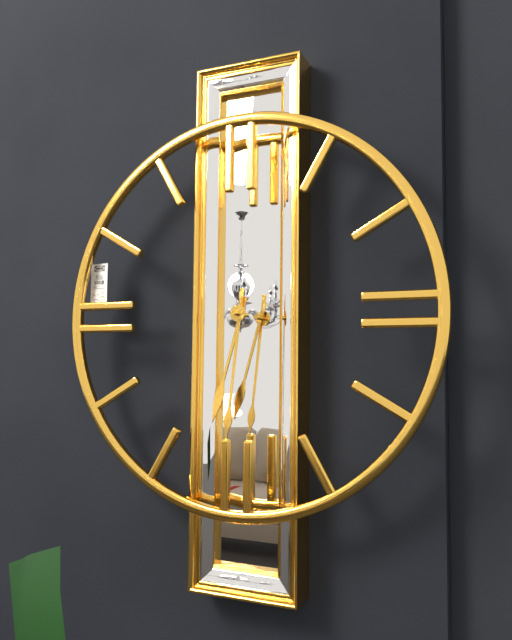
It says 6:31
